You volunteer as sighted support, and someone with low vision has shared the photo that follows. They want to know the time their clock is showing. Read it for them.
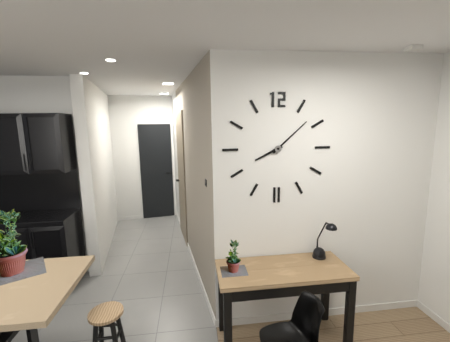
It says 8:08
